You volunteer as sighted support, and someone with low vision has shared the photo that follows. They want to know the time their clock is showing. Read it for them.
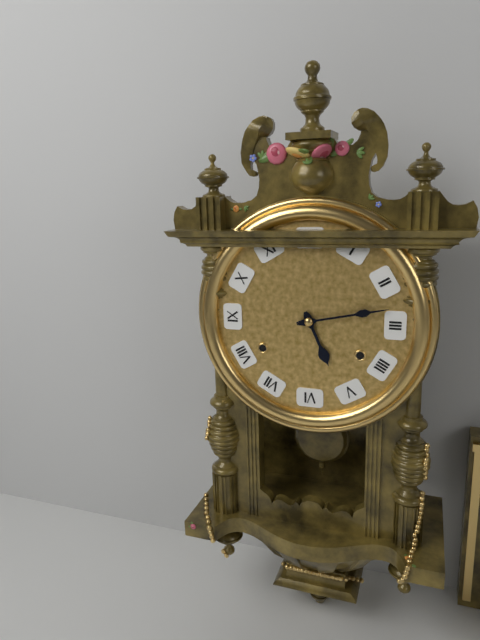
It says 5:13
